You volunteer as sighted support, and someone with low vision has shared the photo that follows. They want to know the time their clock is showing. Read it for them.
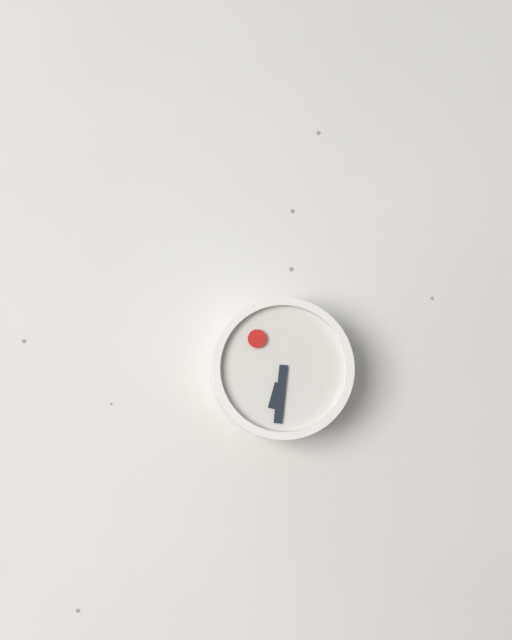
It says 6:31:53
